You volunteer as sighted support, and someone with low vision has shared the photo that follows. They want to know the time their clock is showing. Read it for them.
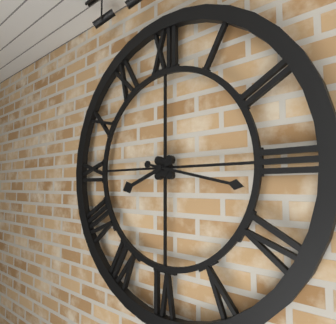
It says 8:17
